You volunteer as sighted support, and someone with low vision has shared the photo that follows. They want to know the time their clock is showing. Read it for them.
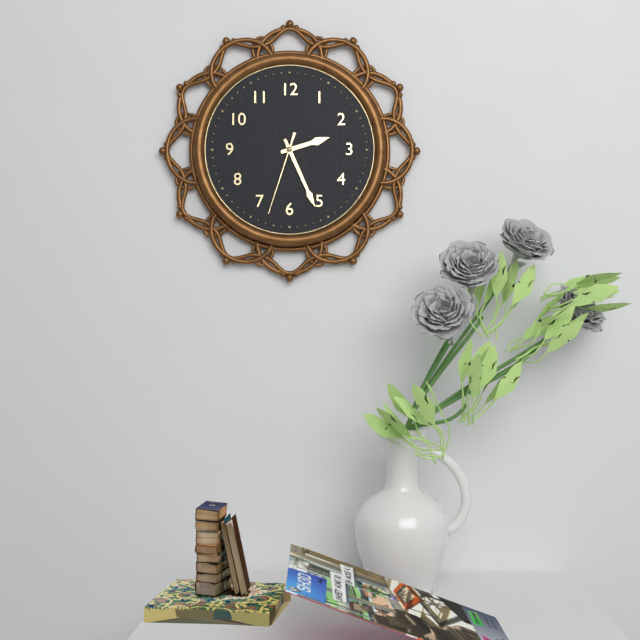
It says 2:26:33
